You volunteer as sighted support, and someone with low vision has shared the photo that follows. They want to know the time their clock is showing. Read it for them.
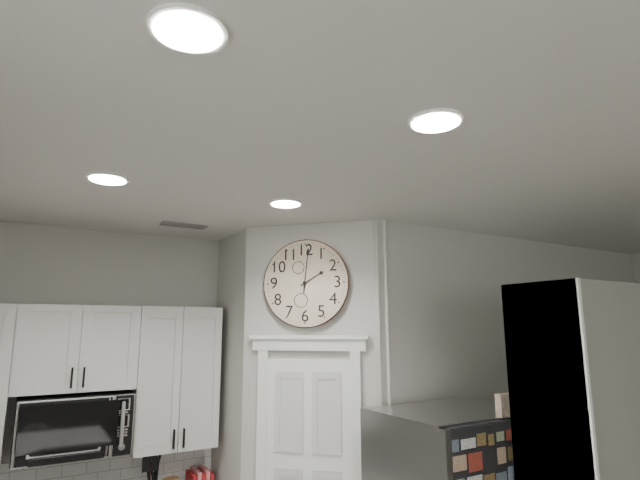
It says 2:01
